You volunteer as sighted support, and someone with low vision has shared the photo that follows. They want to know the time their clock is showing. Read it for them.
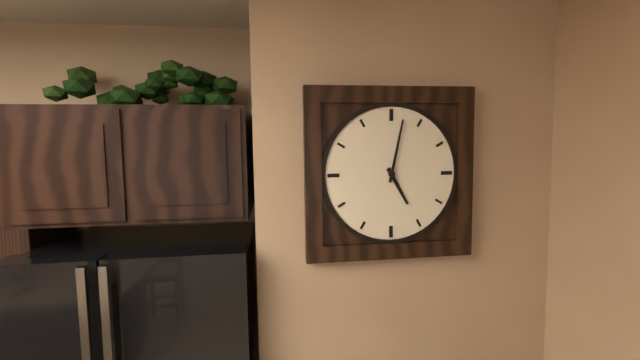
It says 5:02
